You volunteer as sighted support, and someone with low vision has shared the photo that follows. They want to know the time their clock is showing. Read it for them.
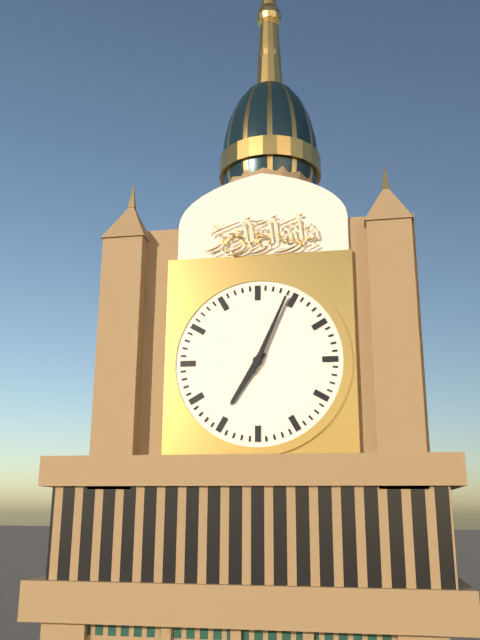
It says 7:04
